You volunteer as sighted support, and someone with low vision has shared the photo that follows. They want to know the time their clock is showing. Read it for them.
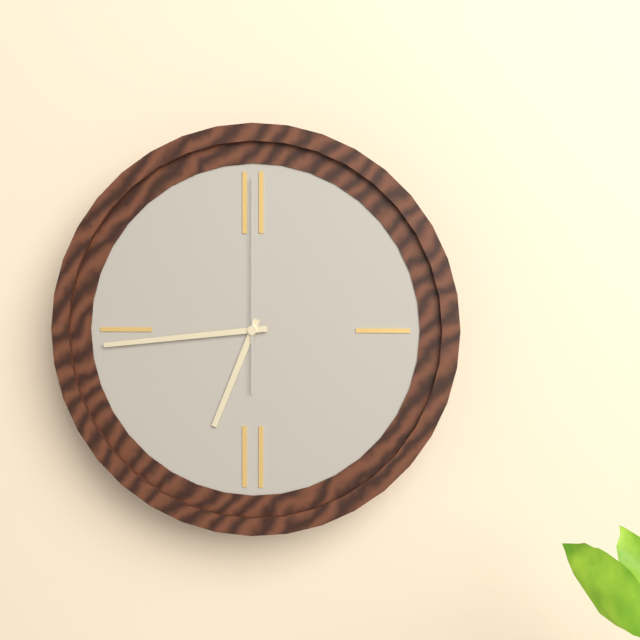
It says 6:44:00
